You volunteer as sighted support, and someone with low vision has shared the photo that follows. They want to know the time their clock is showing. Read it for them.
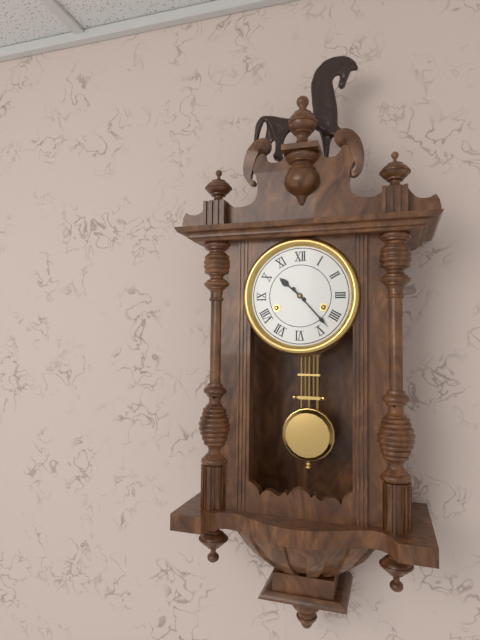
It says 10:23
